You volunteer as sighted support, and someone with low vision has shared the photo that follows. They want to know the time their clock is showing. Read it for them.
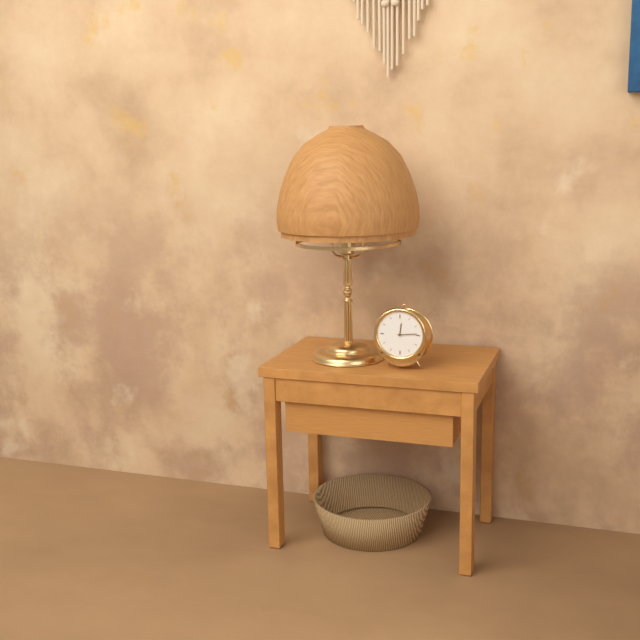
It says 12:14
